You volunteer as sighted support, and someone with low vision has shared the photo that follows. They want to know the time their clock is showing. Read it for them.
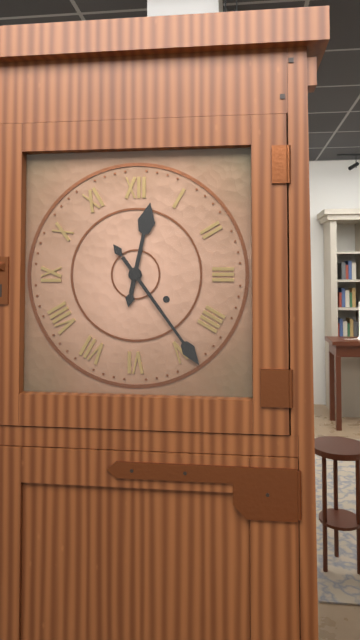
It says 12:24
